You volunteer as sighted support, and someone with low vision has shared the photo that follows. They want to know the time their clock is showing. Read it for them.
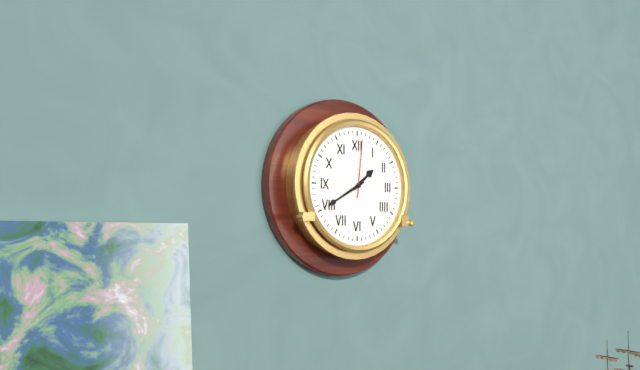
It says 1:40:01
